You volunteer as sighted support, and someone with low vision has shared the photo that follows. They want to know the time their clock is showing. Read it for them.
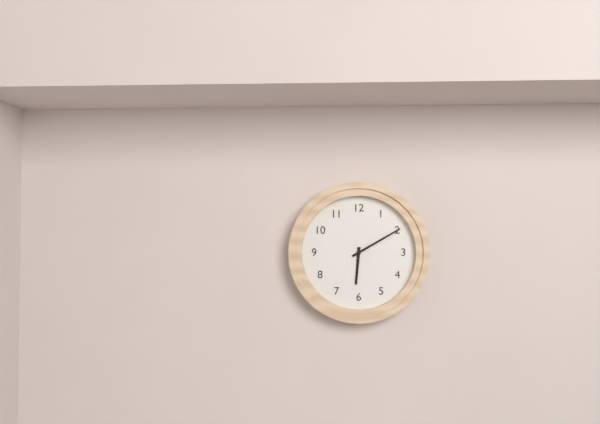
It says 6:10
